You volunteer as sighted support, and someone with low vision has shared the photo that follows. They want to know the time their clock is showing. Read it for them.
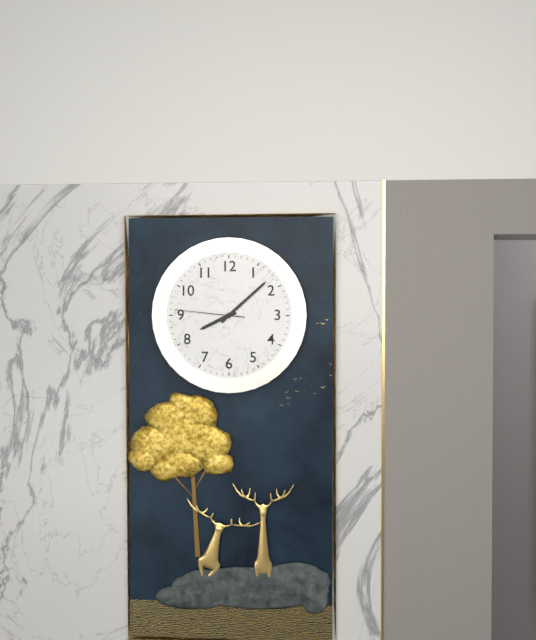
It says 8:08:46
